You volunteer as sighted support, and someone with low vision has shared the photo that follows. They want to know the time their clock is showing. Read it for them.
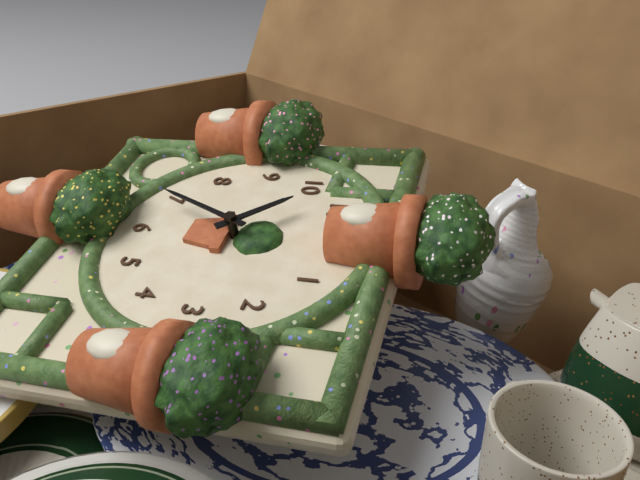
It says 10:34
